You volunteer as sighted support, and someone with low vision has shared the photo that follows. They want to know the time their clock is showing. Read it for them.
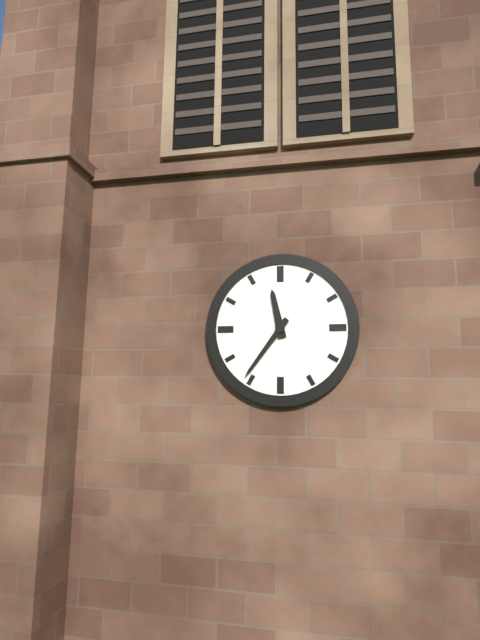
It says 11:36
